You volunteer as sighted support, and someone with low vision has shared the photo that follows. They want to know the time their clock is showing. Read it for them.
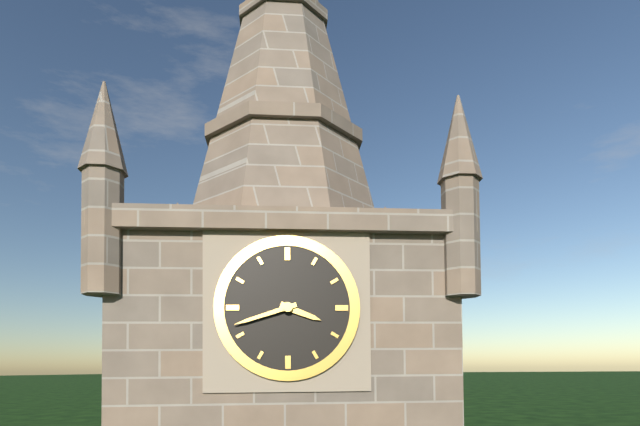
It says 3:42
